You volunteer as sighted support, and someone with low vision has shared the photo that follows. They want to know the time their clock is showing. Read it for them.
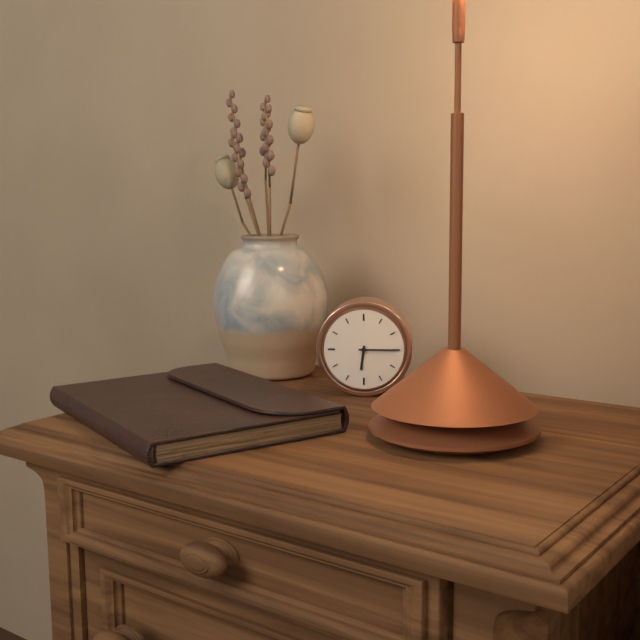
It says 6:15
